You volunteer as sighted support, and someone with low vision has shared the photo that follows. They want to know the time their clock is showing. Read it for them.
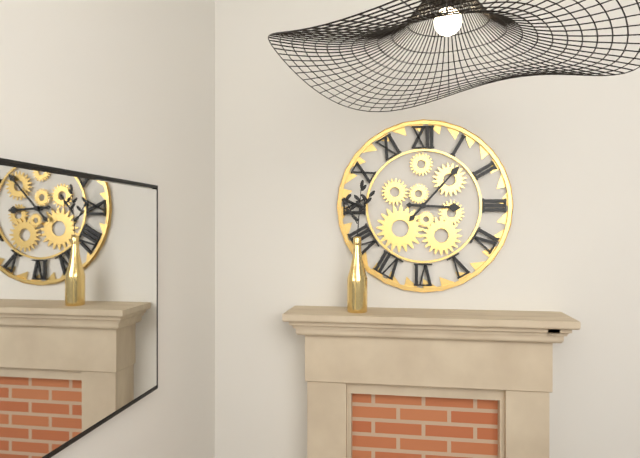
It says 3:07
